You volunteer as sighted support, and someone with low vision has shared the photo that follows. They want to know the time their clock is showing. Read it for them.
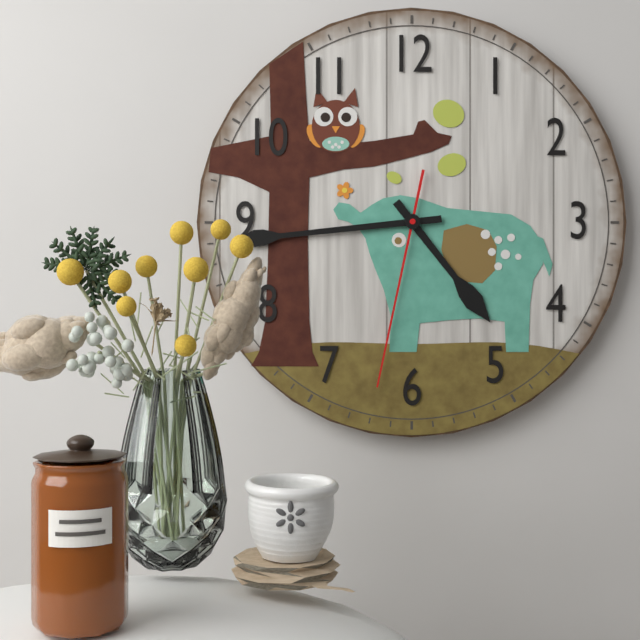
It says 4:44:32
